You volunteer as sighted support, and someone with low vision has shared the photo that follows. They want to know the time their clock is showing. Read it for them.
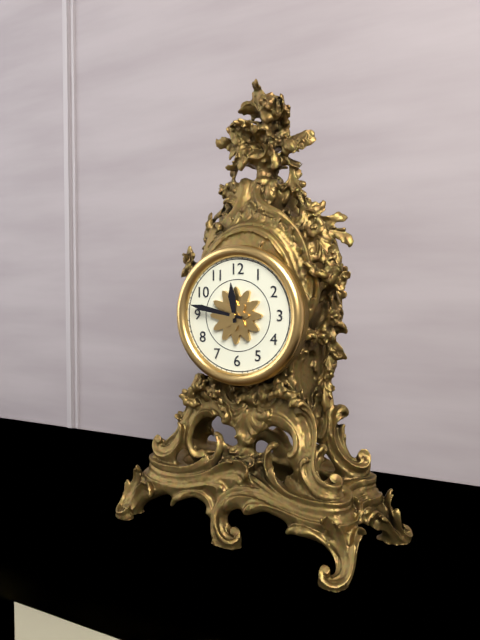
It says 11:47
